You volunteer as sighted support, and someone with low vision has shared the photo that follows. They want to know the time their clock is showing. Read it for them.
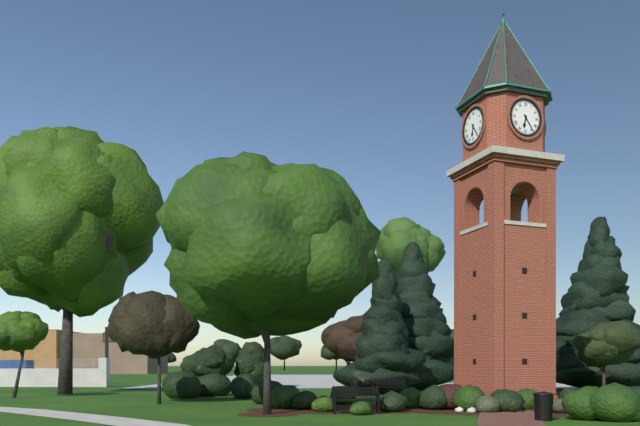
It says 6:24
